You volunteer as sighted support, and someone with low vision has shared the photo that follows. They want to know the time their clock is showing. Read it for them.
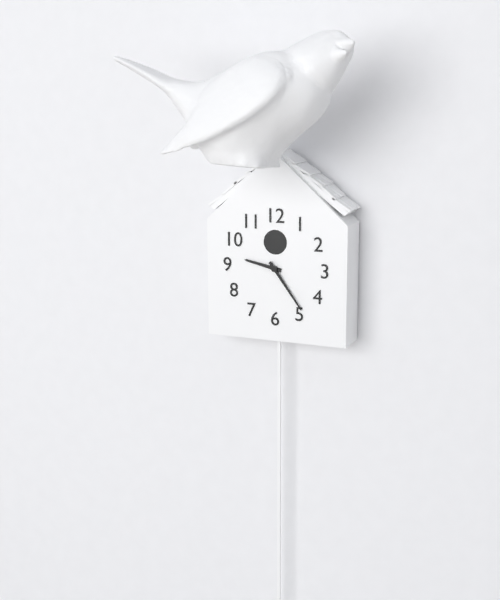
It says 9:24
